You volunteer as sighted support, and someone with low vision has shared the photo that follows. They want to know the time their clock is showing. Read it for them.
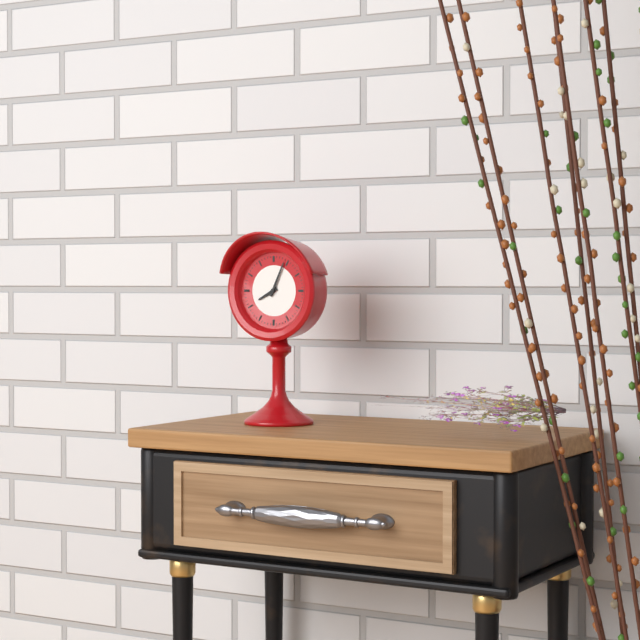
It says 8:04
